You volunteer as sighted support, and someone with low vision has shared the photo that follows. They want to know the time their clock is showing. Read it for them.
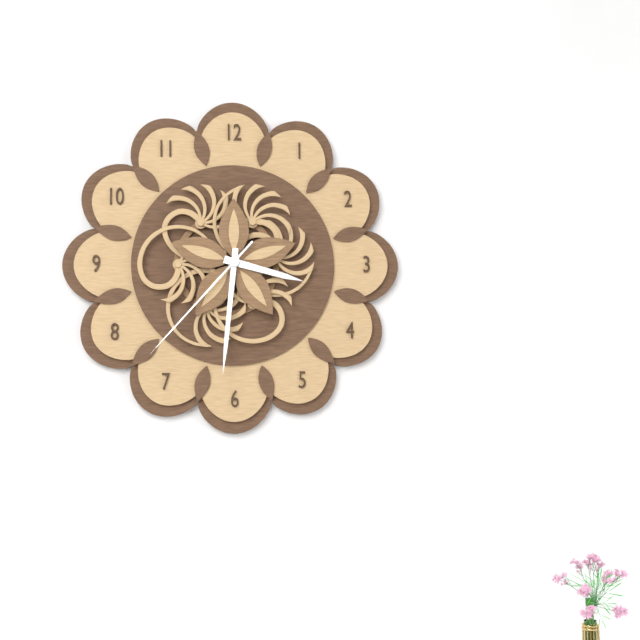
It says 3:31:37
